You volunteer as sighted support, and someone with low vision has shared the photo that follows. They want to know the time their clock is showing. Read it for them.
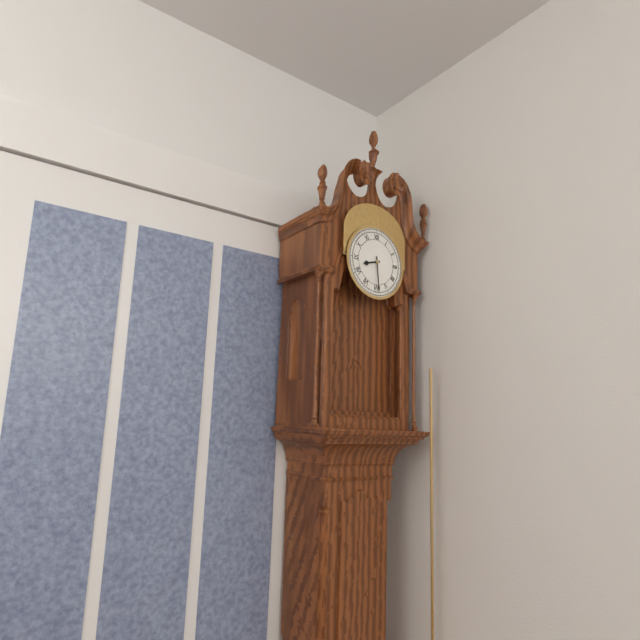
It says 8:29
